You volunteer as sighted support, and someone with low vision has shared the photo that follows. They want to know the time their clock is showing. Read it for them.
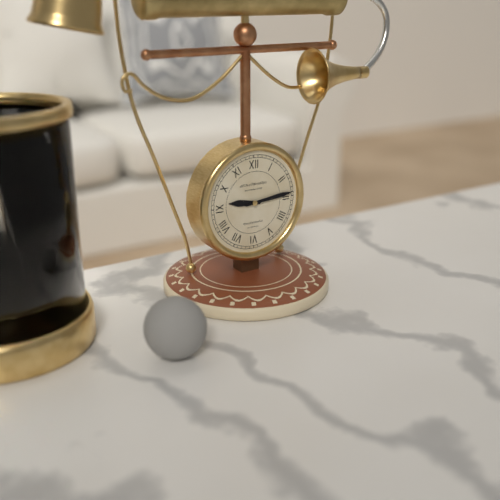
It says 9:14
